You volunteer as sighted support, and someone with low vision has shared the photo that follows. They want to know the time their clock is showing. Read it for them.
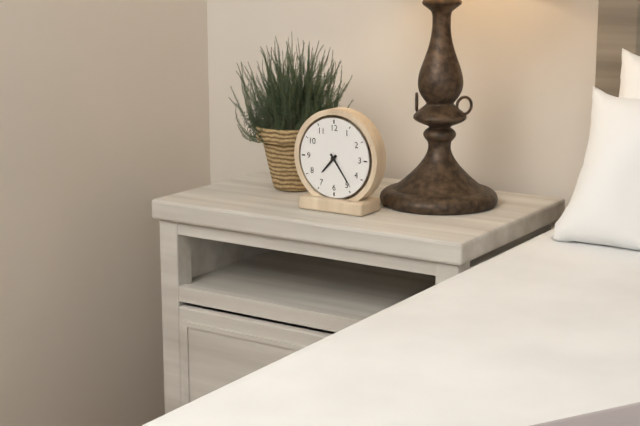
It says 7:24
